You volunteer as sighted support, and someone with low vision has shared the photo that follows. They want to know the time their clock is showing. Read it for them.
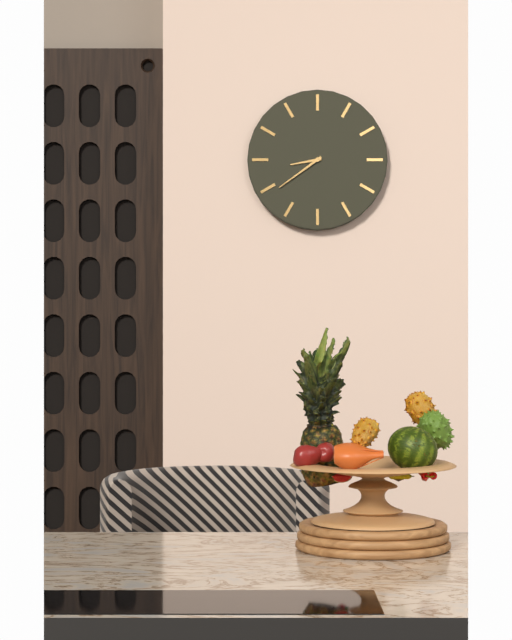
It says 8:39
